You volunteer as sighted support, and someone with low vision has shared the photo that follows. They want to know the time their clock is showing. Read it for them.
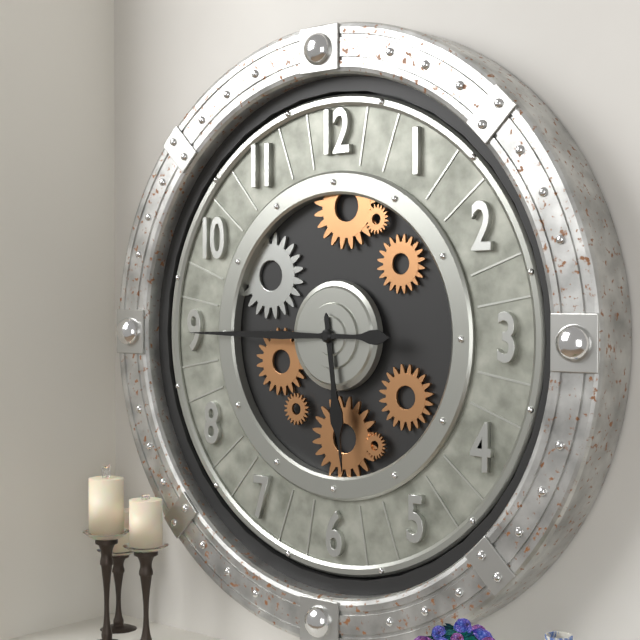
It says 5:45
